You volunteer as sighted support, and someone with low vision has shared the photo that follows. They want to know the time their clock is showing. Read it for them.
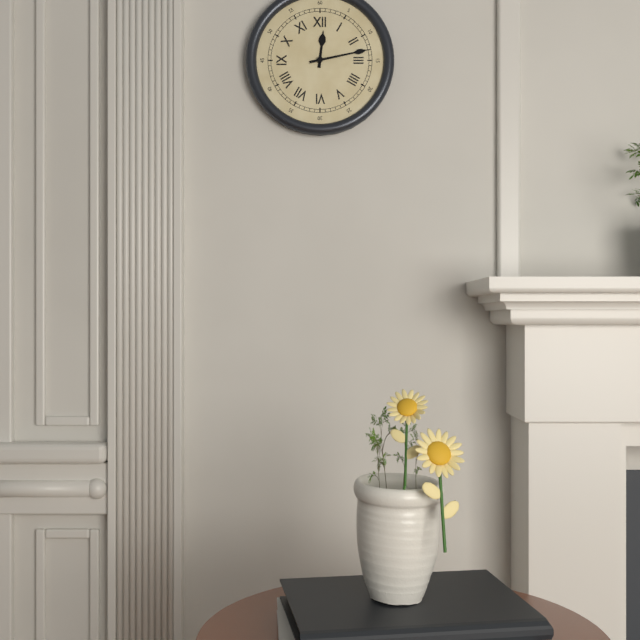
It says 12:13
